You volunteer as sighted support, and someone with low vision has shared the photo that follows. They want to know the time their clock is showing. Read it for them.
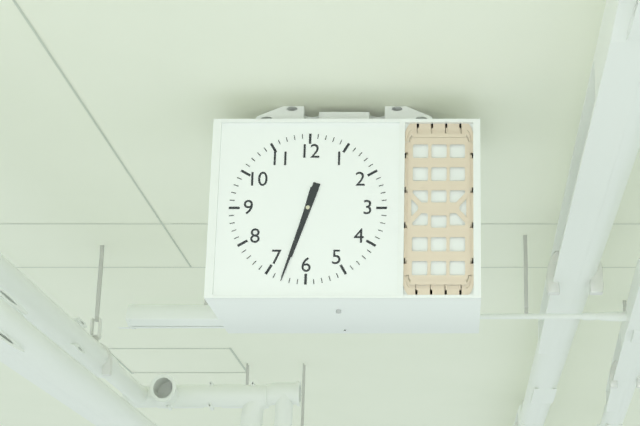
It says 6:33
